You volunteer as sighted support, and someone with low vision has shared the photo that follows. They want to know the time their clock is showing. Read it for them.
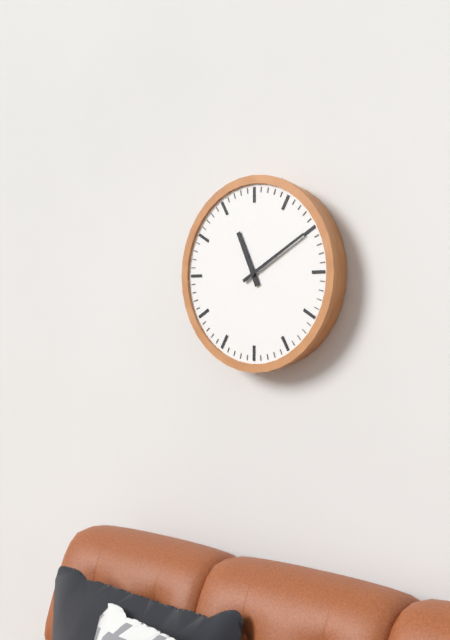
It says 11:10
